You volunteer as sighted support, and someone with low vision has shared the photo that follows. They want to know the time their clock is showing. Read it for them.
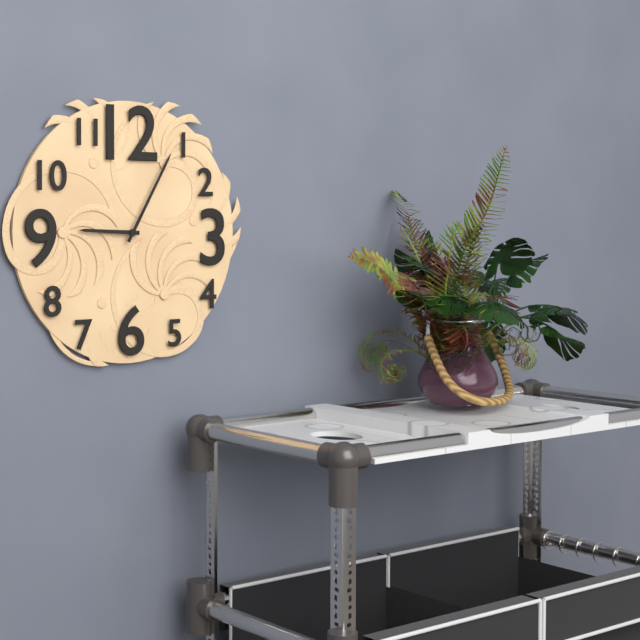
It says 9:05
